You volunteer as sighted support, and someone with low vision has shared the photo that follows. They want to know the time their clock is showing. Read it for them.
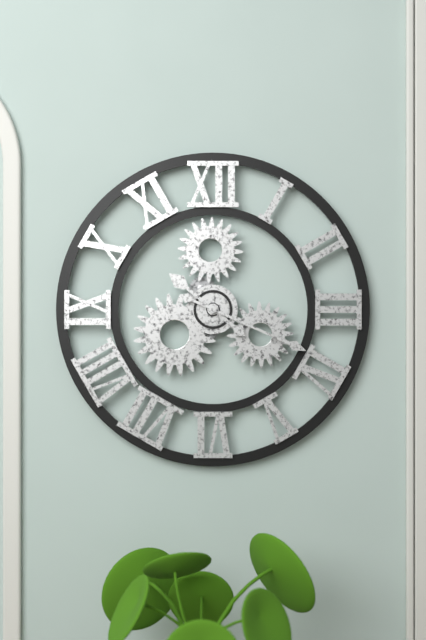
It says 10:19
